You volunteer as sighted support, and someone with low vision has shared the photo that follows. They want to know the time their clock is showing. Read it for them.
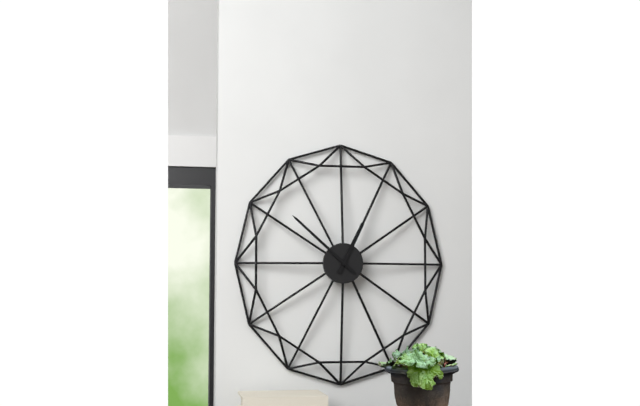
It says 12:52
